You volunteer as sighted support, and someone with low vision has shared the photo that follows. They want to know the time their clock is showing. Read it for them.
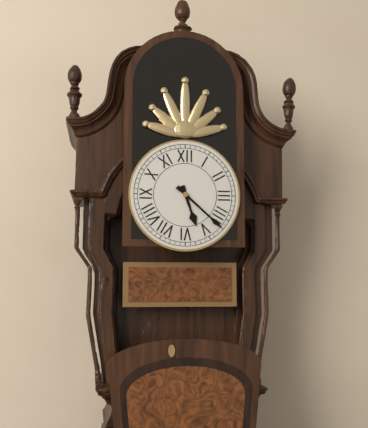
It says 5:22
